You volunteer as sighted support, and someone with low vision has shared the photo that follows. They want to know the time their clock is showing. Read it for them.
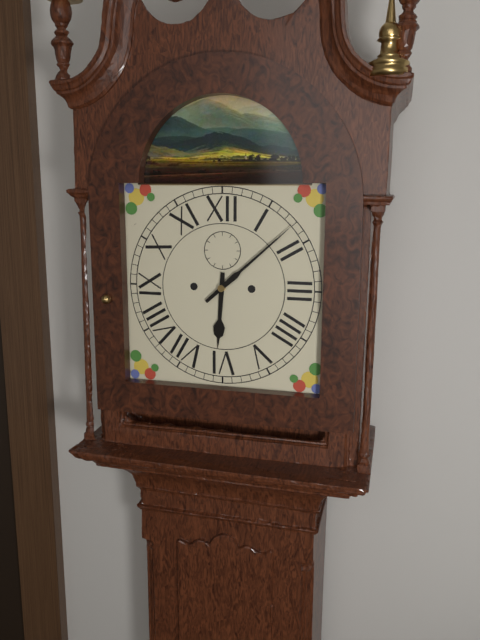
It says 6:08
